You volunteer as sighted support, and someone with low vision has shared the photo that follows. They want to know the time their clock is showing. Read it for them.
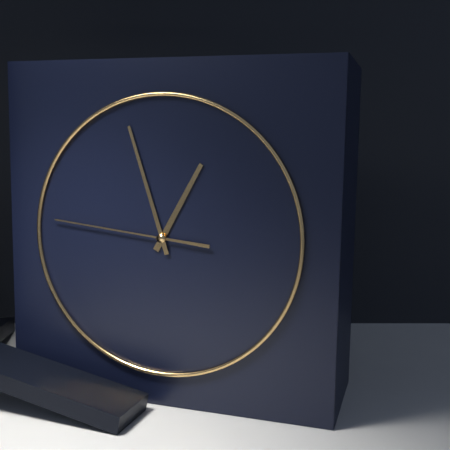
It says 12:57:46
